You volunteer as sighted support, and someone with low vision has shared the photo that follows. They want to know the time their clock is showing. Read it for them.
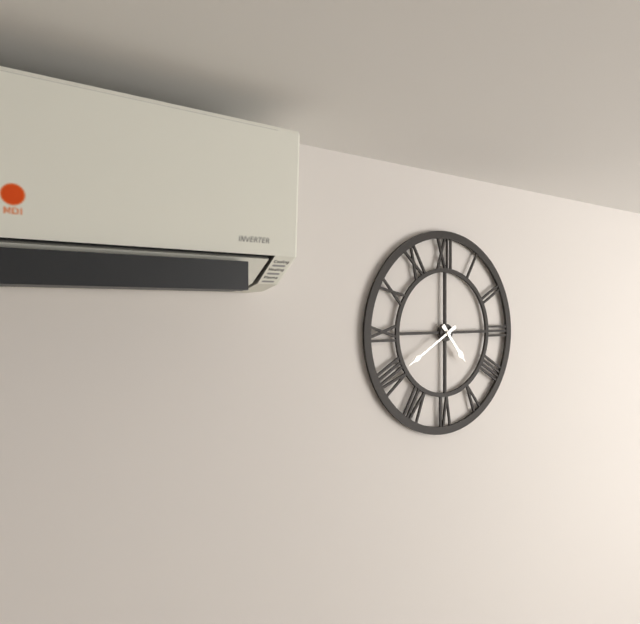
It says 4:40
